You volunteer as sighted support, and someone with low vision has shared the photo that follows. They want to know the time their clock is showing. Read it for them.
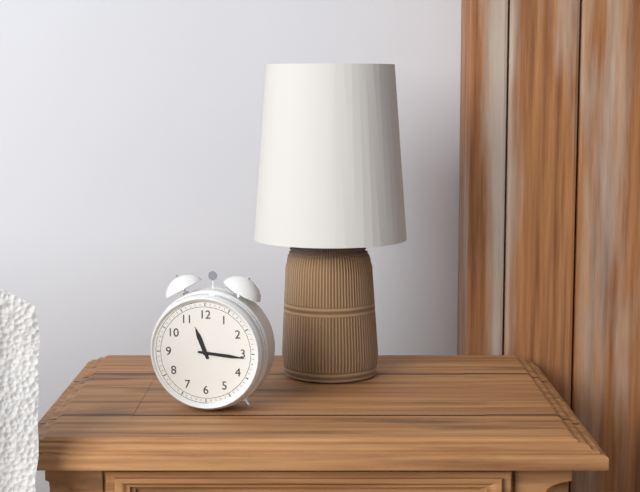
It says 11:16
